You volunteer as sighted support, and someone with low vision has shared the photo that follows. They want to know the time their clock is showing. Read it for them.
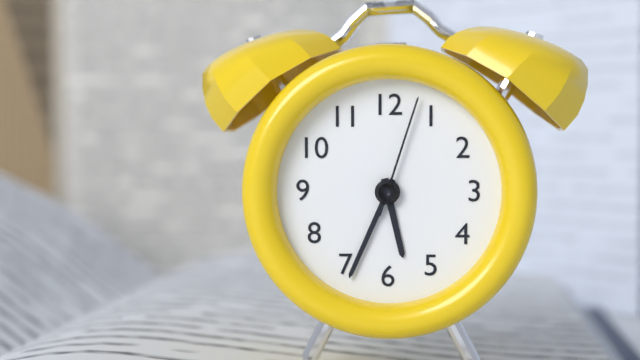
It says 5:34:03
